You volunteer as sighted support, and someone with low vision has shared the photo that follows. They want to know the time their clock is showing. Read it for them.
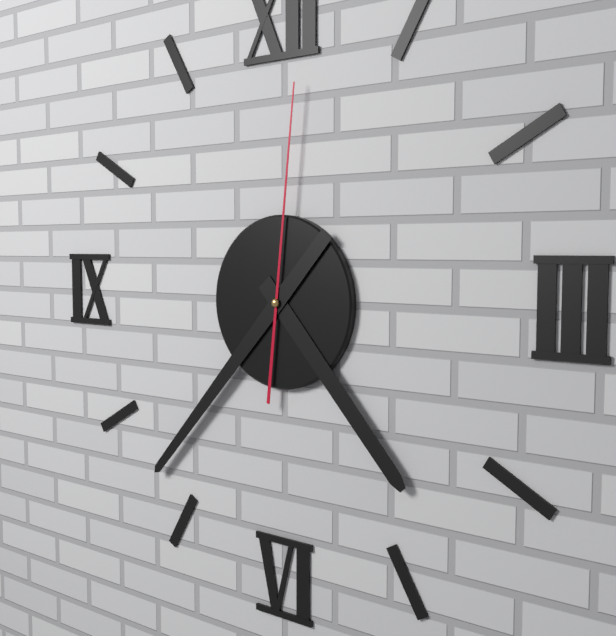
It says 4:37:01
